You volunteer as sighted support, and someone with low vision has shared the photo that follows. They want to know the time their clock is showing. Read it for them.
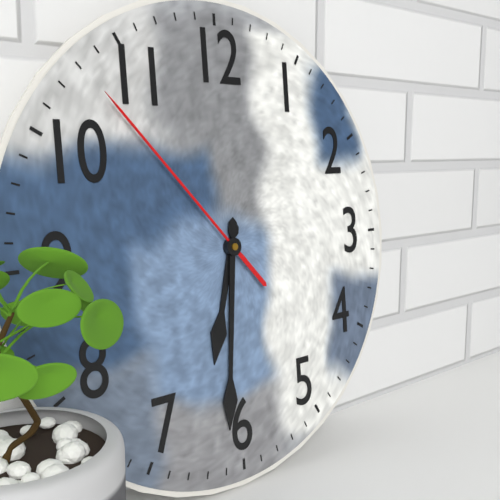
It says 6:31:53
